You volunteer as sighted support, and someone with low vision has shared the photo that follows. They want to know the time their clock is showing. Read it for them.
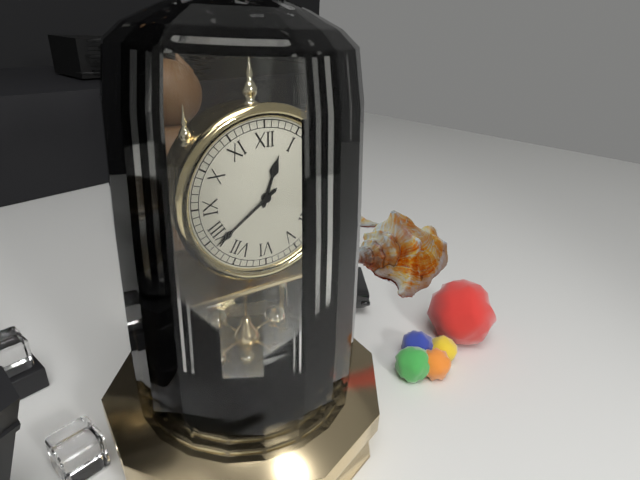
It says 12:39
